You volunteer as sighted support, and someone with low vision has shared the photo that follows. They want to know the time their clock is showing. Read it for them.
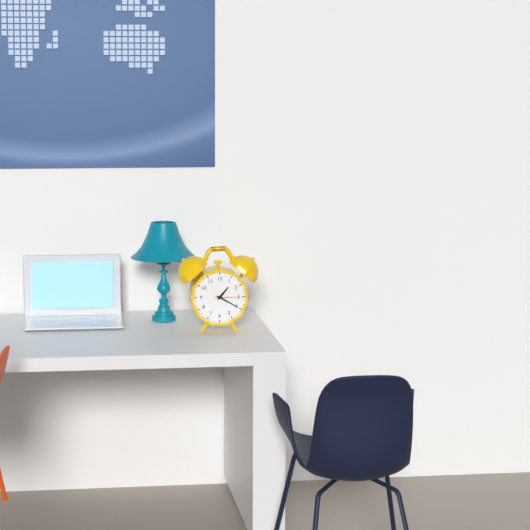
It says 1:20
